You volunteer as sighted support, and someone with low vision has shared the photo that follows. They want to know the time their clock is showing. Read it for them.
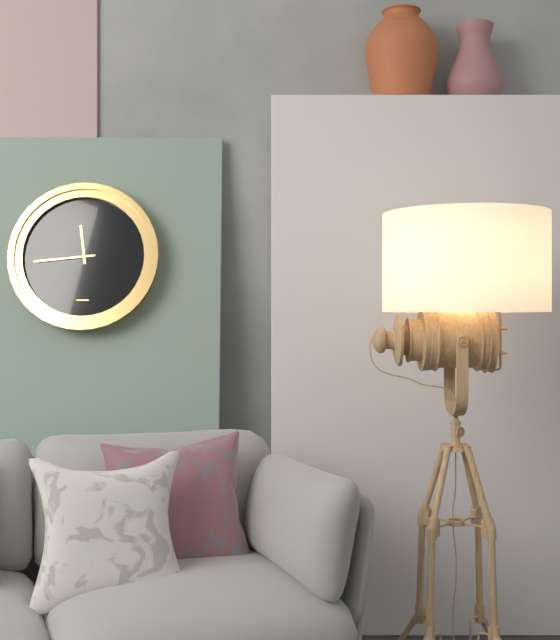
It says 11:44
